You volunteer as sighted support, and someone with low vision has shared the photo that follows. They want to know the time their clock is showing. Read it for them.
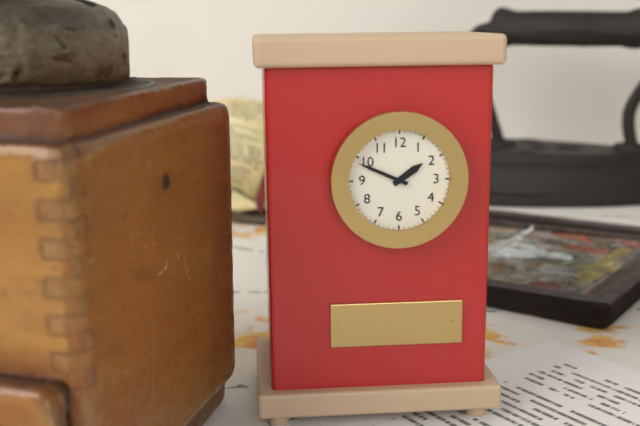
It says 1:49
